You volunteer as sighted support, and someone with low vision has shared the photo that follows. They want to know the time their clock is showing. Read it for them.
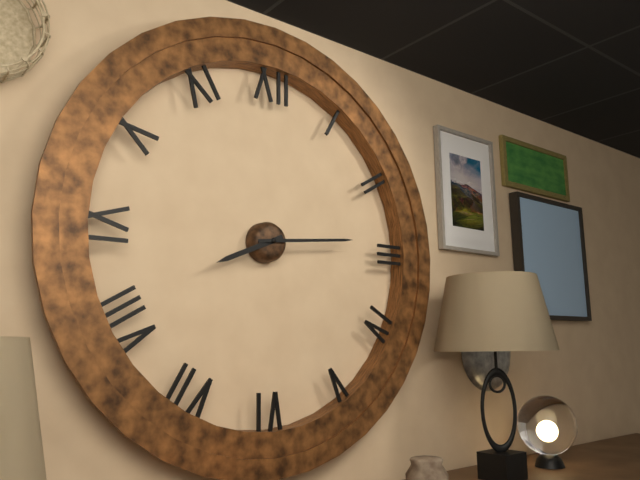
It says 8:14
